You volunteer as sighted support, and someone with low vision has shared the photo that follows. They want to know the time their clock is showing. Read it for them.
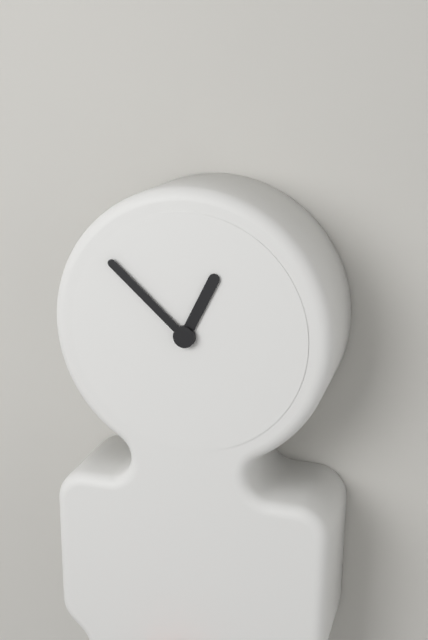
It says 12:52
